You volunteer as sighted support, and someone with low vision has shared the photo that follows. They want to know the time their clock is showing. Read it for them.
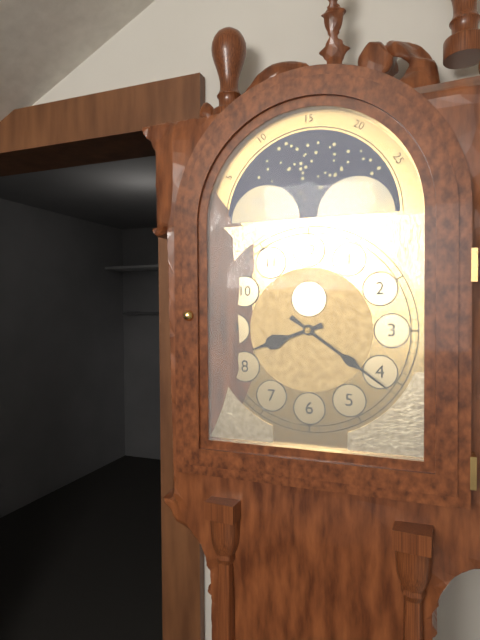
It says 8:21
